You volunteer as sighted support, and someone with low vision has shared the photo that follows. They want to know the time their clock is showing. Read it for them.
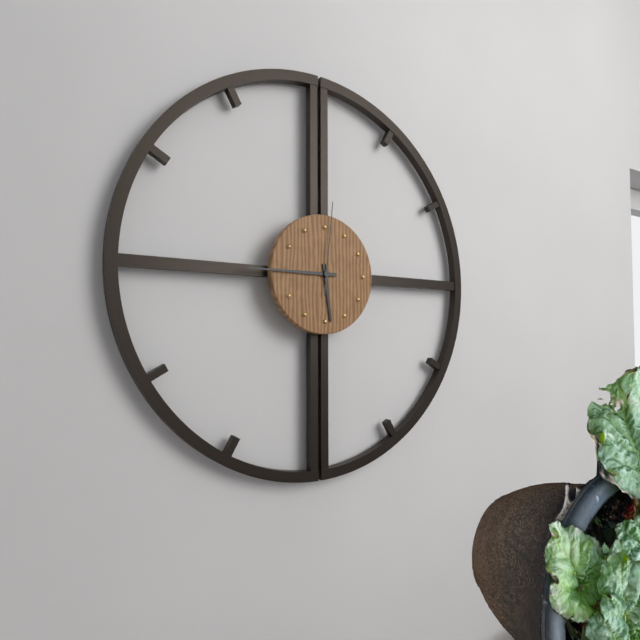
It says 5:45:01
